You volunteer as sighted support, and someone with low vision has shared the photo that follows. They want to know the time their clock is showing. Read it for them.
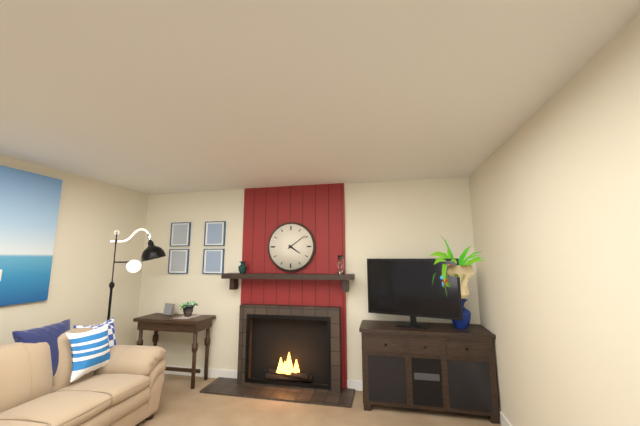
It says 4:09
